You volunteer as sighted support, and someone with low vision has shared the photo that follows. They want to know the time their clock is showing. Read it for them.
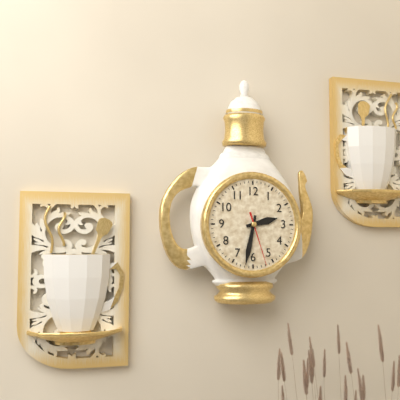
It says 2:32:27
